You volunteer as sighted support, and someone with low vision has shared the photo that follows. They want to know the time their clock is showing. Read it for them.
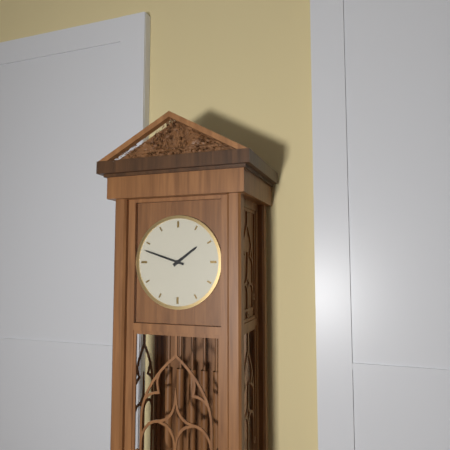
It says 1:48
